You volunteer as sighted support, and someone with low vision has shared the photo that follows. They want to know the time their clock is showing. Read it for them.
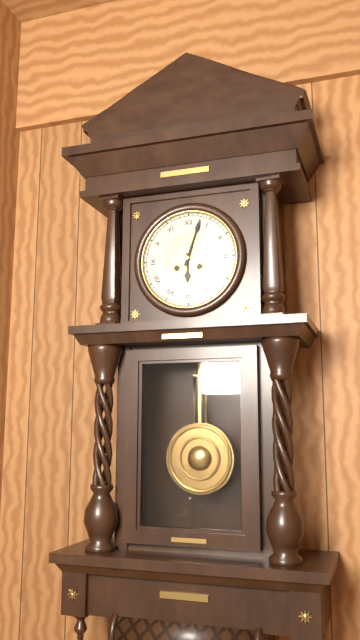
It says 6:03
